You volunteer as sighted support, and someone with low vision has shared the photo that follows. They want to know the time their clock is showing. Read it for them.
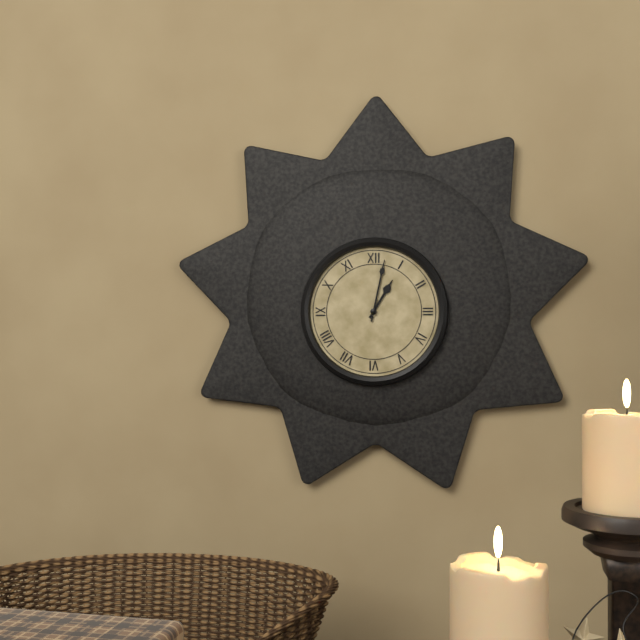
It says 1:02
